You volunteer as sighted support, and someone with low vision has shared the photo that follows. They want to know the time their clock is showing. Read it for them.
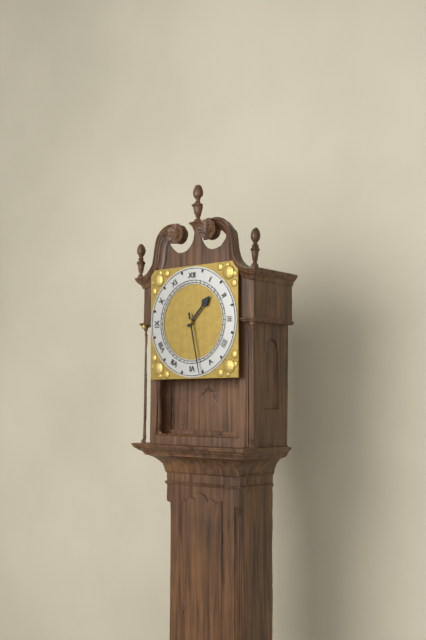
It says 1:28
